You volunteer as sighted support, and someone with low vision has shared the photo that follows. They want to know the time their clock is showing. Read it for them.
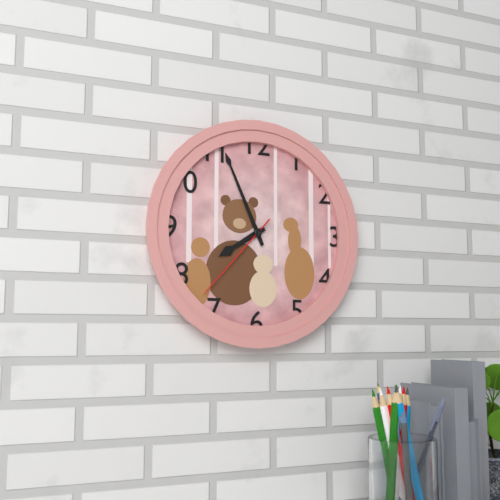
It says 7:56:37
